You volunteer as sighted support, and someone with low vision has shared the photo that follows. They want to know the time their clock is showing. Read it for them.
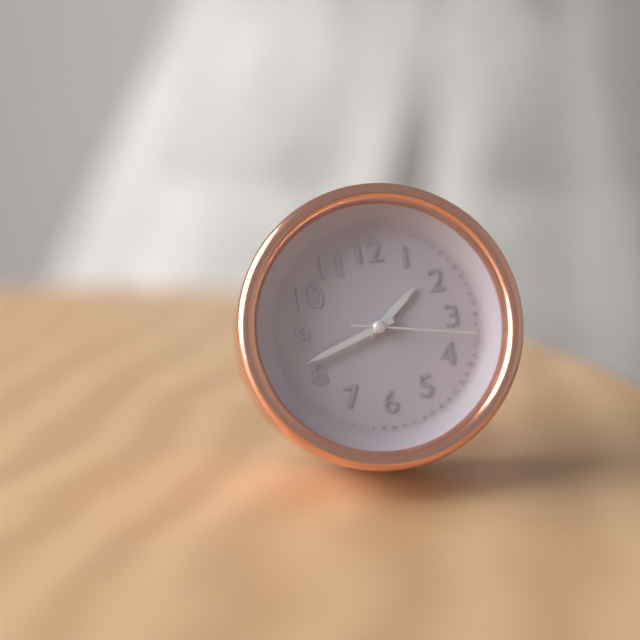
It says 1:42:17
